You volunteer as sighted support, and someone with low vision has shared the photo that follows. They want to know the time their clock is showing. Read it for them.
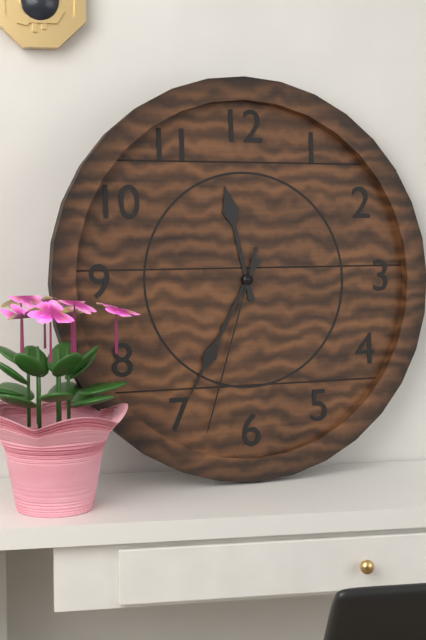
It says 11:35:33
